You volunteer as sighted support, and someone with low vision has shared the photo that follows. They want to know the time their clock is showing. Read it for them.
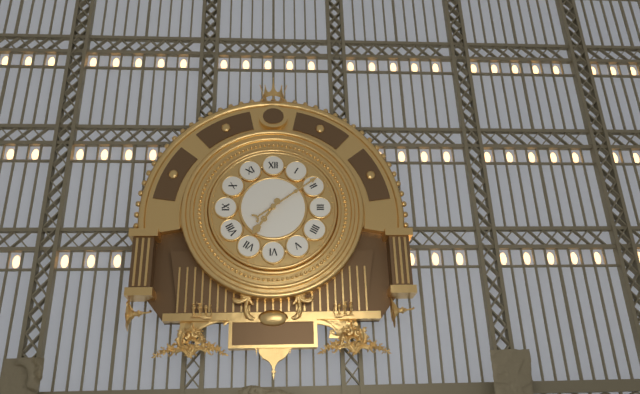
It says 7:09
